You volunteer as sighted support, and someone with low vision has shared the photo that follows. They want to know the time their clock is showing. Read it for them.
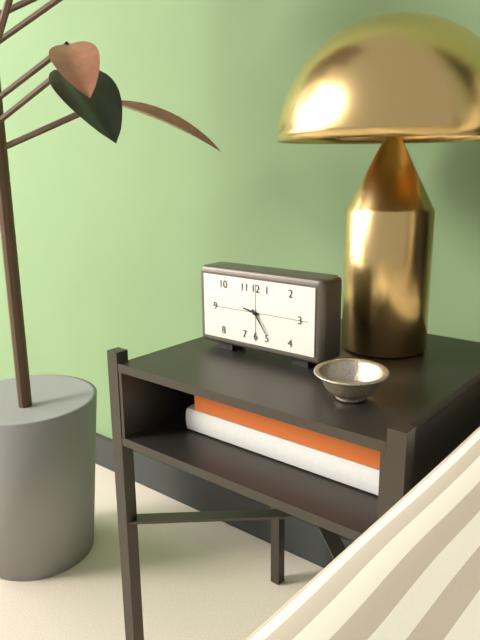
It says 9:24
